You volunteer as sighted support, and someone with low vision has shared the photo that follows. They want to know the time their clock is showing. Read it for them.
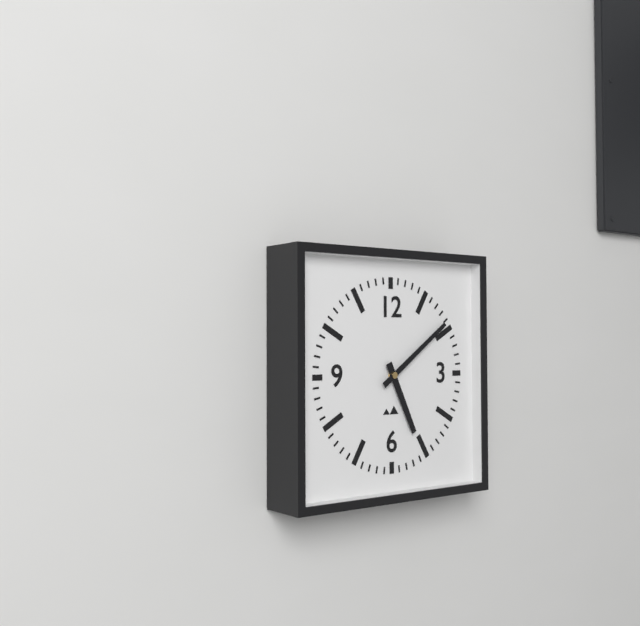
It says 5:09
